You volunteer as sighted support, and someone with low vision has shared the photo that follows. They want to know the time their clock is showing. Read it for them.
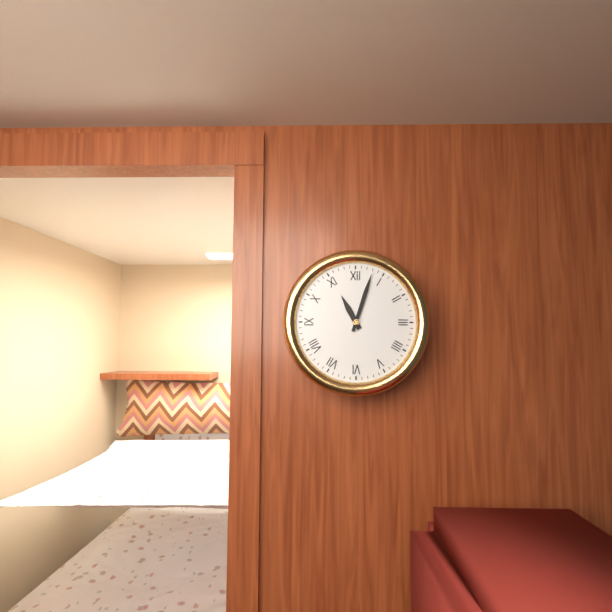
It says 11:03
